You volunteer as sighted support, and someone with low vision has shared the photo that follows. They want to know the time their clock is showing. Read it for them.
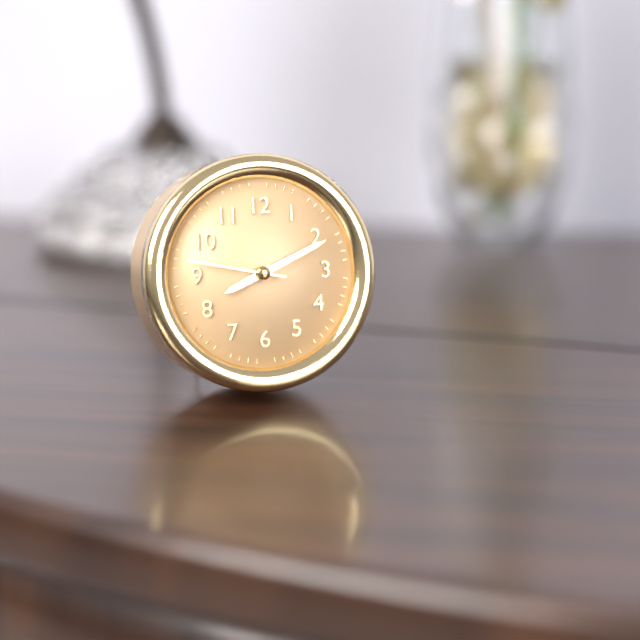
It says 8:11:47
